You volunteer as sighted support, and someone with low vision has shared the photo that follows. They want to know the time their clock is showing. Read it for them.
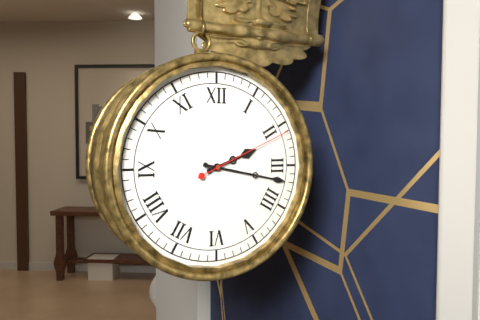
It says 2:17:11
